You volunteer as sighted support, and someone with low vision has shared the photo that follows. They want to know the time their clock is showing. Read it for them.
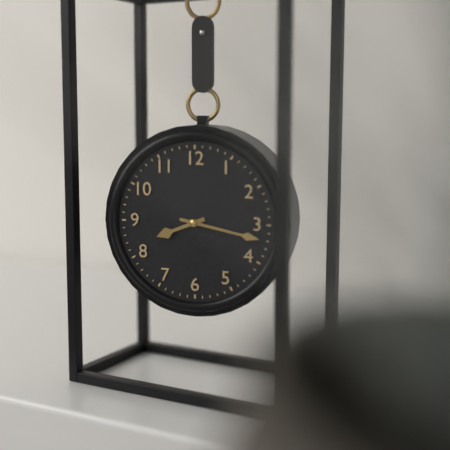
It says 8:17
